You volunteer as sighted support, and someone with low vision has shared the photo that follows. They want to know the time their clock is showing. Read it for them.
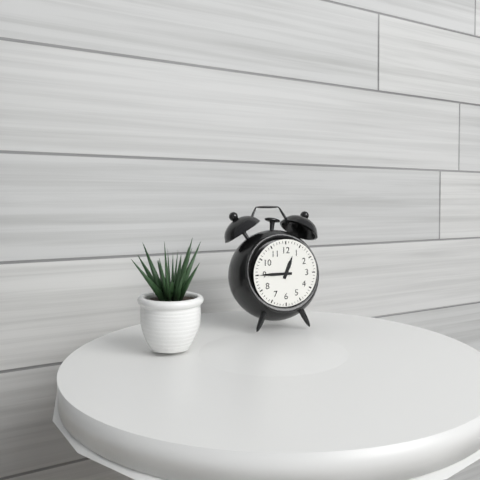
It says 12:45
